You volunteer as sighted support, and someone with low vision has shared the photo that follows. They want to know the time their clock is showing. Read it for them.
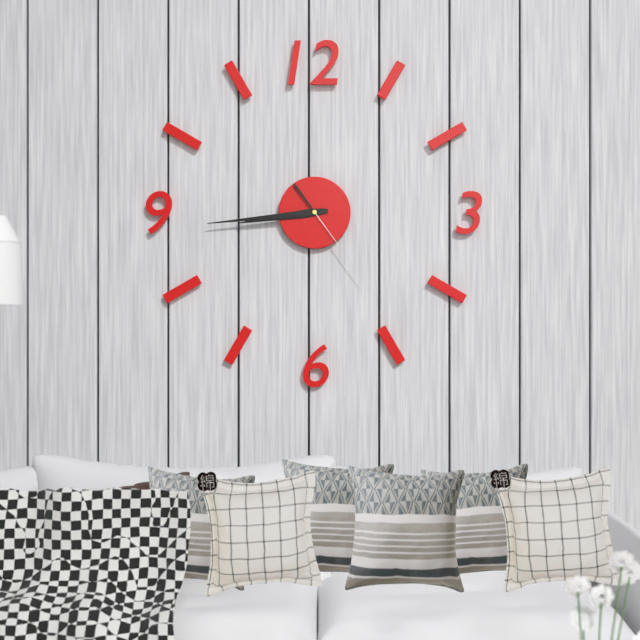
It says 8:44:24
